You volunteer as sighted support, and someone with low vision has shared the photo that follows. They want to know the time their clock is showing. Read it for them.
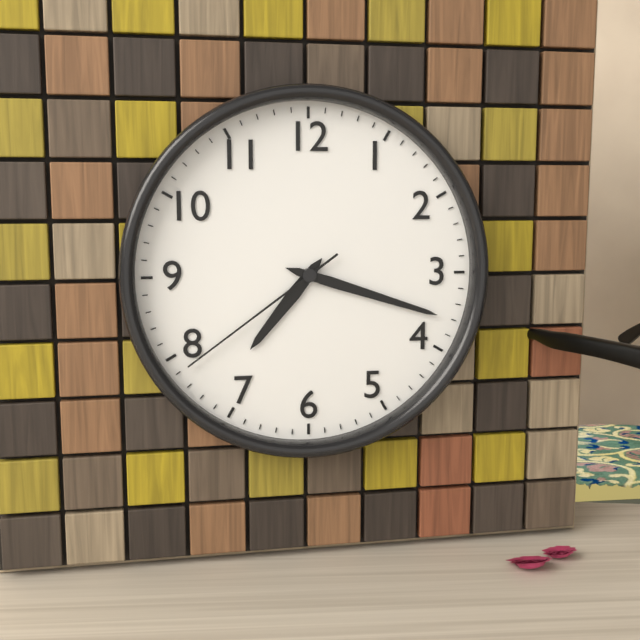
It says 7:18:39
